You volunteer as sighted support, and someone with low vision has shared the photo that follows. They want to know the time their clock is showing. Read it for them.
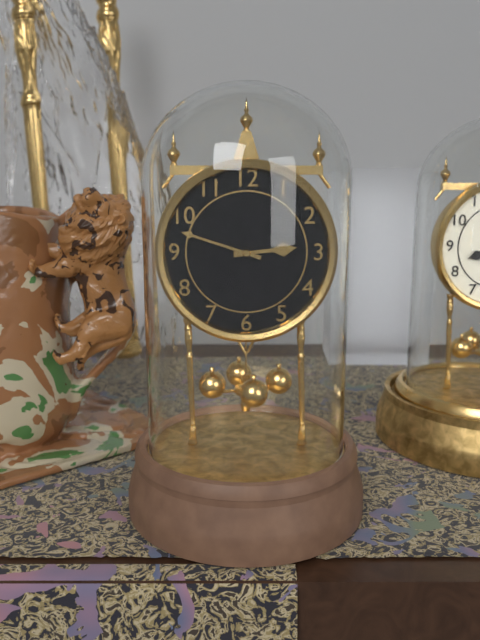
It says 2:48
